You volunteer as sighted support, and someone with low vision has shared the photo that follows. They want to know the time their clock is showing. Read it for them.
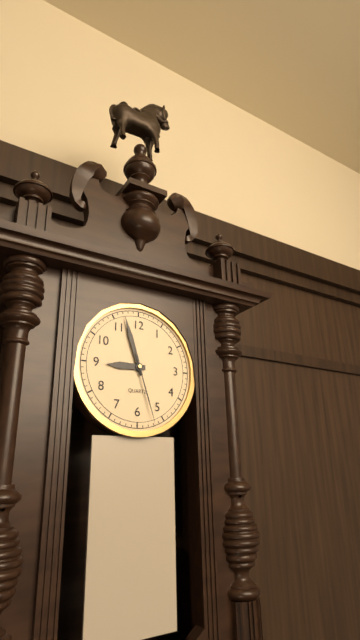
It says 8:57:27
